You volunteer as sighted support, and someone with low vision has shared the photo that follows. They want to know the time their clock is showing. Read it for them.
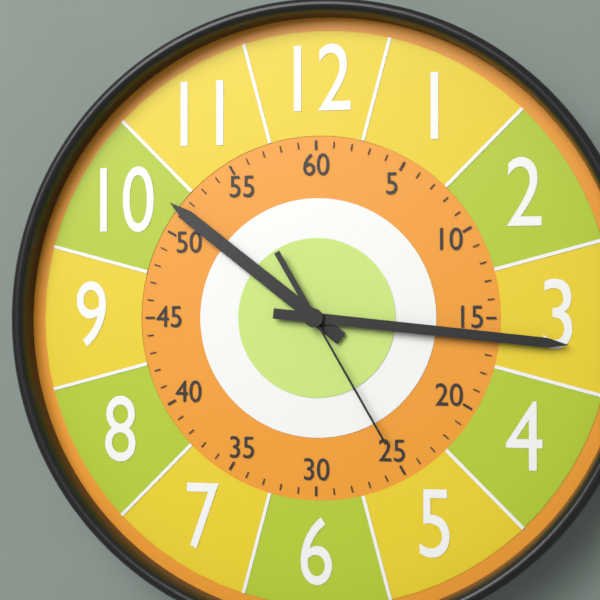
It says 10:16:25
